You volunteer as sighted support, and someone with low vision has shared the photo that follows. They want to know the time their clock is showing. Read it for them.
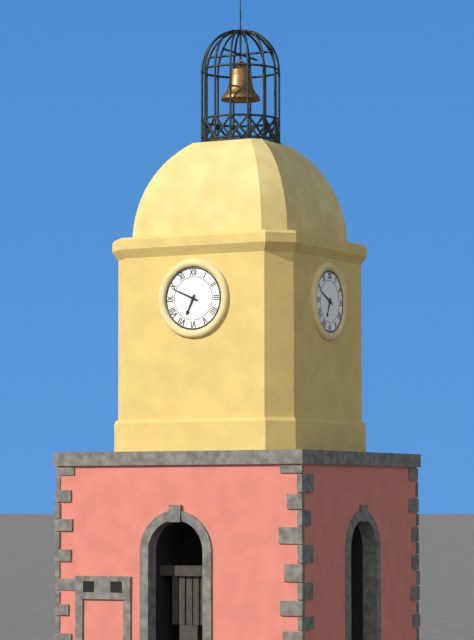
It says 6:49
